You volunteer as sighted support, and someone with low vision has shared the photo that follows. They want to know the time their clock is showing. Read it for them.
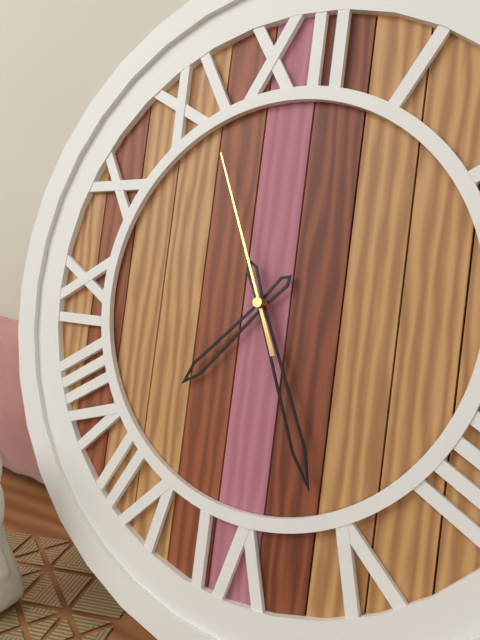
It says 7:26:56
